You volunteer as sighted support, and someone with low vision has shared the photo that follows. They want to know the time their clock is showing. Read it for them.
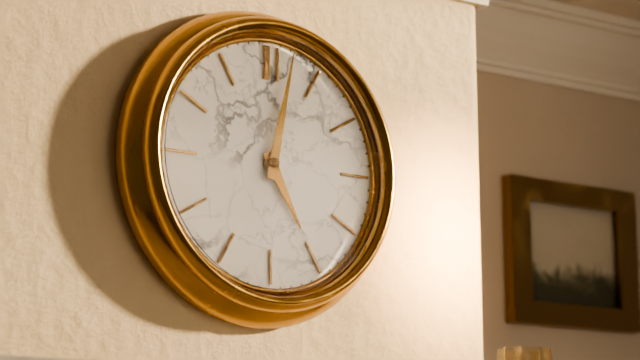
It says 5:02
